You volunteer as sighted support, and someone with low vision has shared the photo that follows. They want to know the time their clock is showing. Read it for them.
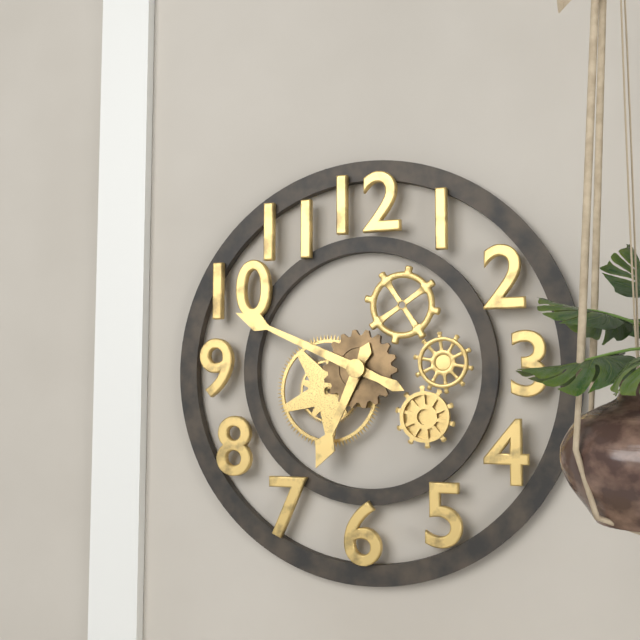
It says 6:49
